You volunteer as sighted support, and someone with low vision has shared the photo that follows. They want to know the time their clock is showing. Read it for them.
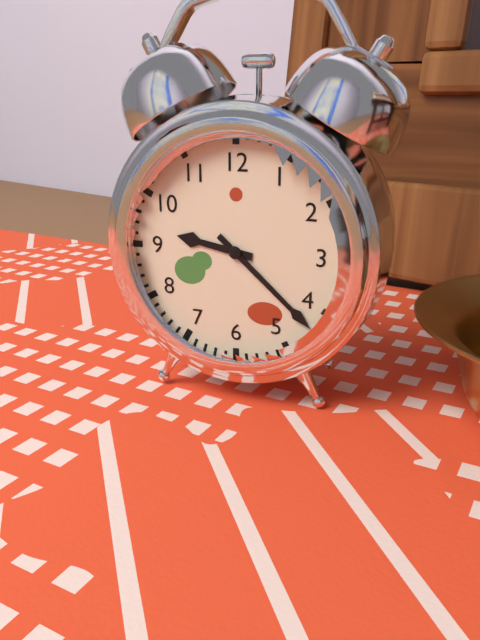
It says 9:22
